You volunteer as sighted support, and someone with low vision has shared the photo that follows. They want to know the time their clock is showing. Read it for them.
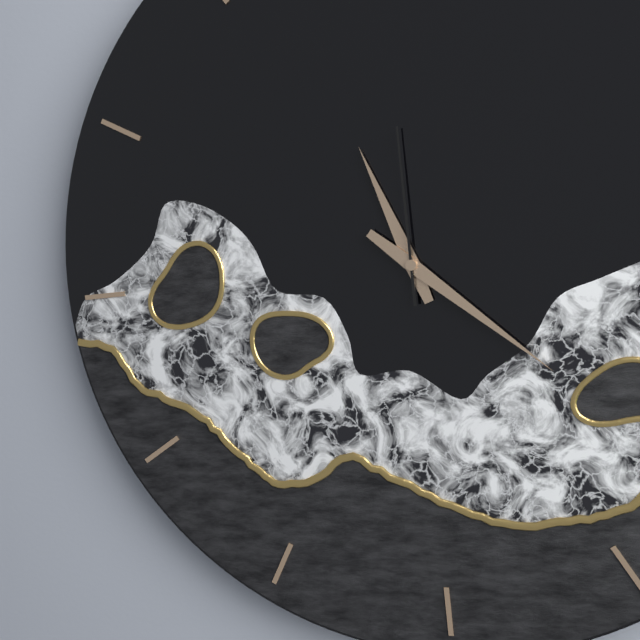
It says 11:22:00
